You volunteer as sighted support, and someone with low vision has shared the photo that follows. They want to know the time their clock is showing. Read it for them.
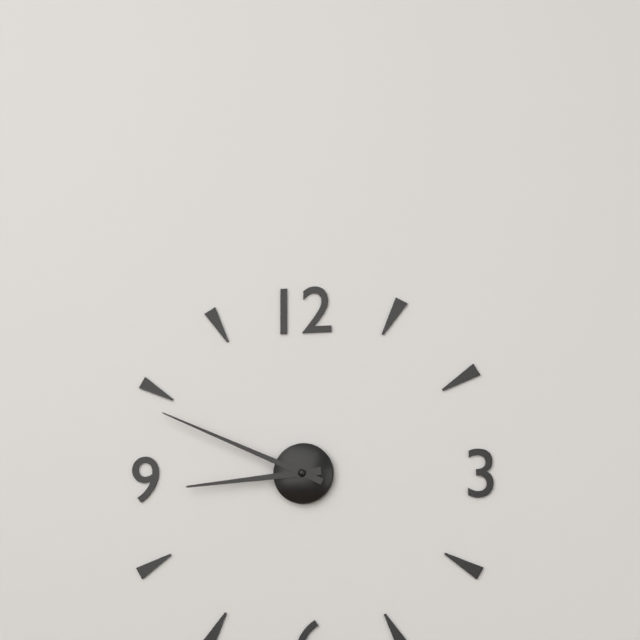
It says 8:49
